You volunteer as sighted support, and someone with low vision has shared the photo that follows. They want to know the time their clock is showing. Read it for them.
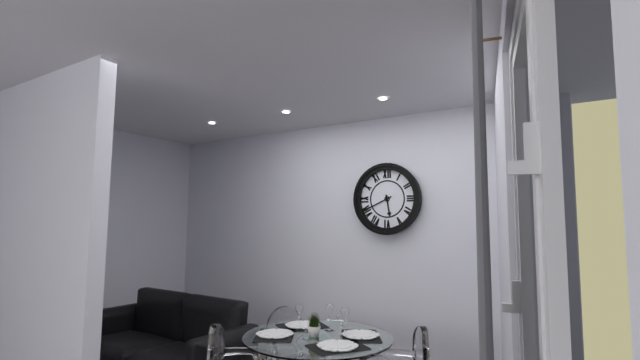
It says 5:41
